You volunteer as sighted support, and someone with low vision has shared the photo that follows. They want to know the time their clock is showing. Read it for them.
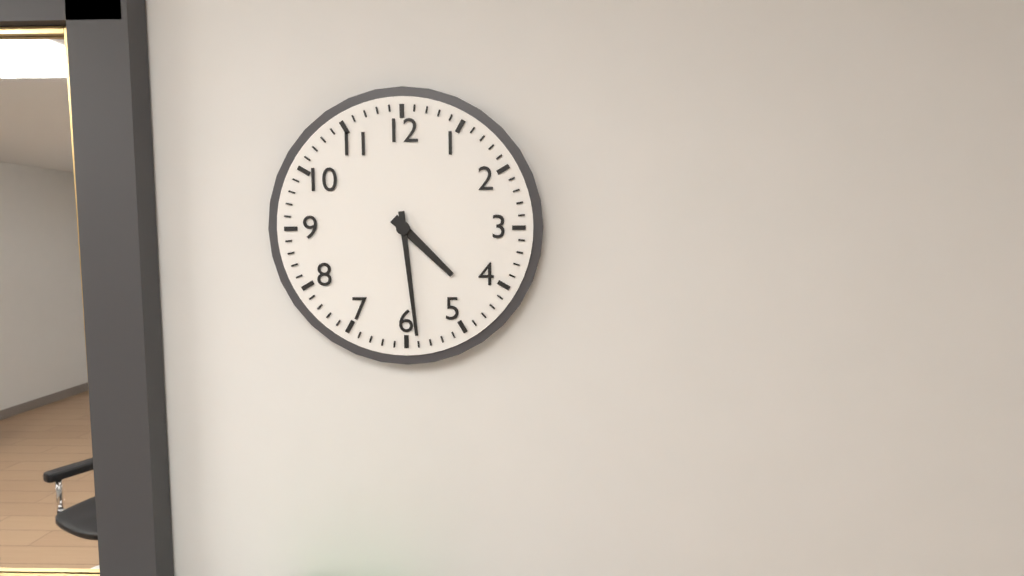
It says 4:29
